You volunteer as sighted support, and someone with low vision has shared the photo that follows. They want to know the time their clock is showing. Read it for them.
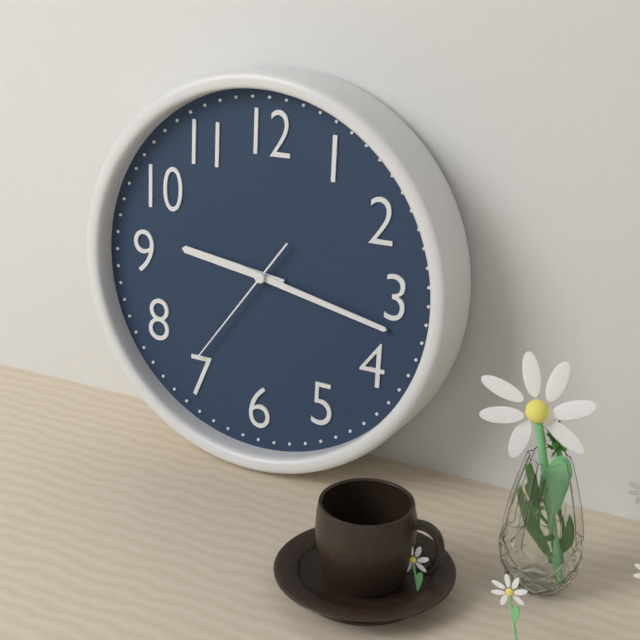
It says 9:17:36
